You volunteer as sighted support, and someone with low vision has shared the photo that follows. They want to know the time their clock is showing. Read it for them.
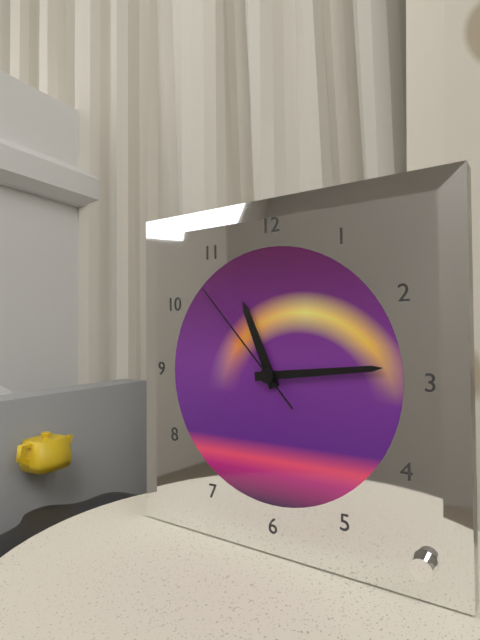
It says 11:14:53
